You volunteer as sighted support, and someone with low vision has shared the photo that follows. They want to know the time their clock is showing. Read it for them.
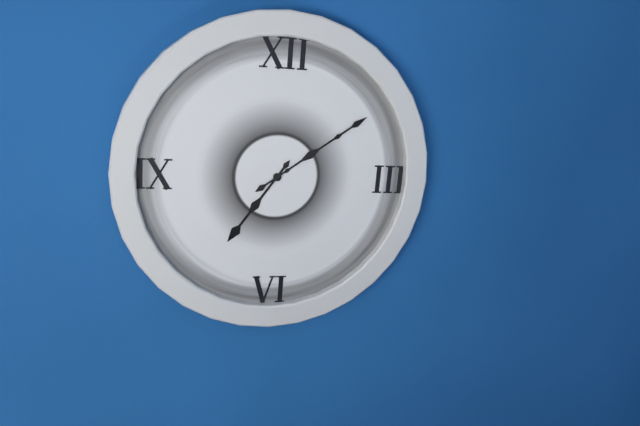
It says 7:09
